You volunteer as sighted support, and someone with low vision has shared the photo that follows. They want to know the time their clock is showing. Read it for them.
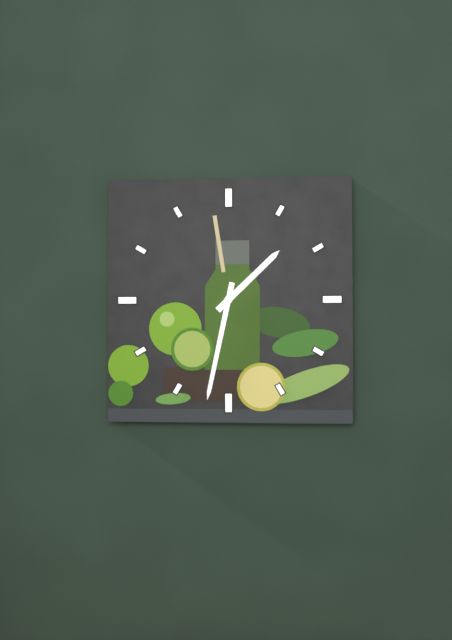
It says 1:32
